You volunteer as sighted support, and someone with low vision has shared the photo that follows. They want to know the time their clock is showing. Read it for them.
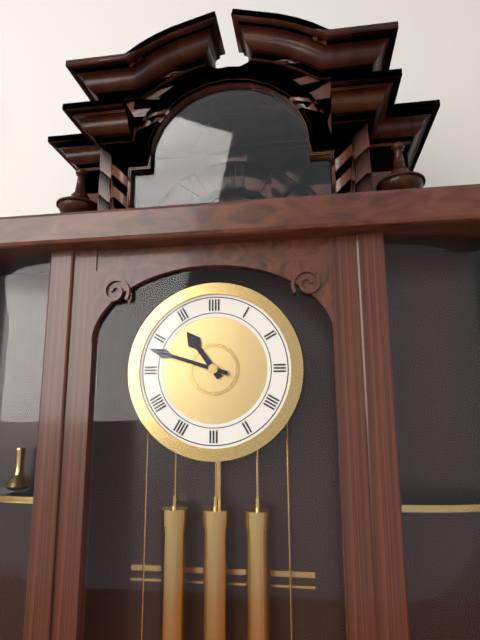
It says 10:48
